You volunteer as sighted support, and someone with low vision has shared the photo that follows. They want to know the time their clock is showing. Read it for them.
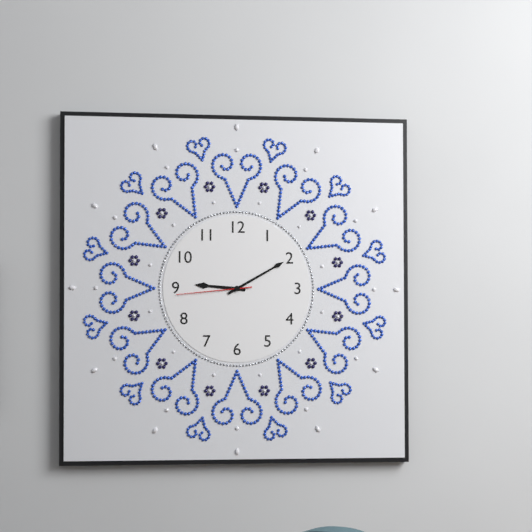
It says 9:10:44
